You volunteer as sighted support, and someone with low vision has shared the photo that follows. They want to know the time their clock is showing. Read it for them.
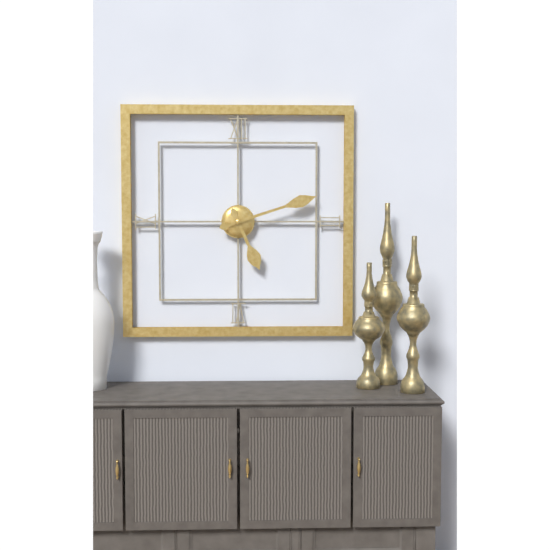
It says 5:12
